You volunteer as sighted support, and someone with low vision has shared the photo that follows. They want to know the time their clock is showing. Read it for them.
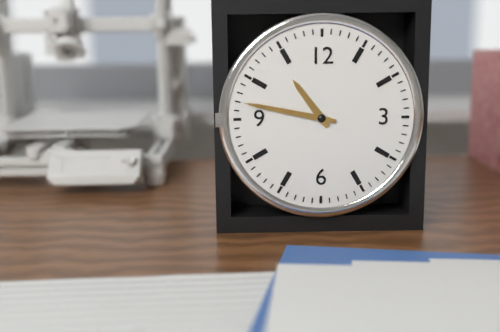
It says 10:47
